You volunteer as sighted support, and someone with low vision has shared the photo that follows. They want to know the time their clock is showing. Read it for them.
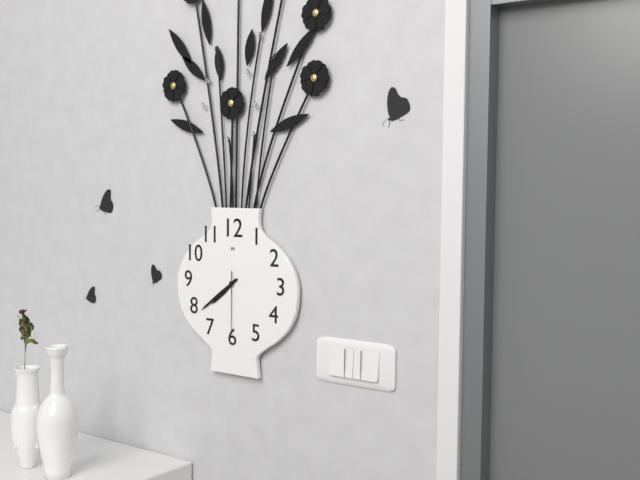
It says 7:39:30
